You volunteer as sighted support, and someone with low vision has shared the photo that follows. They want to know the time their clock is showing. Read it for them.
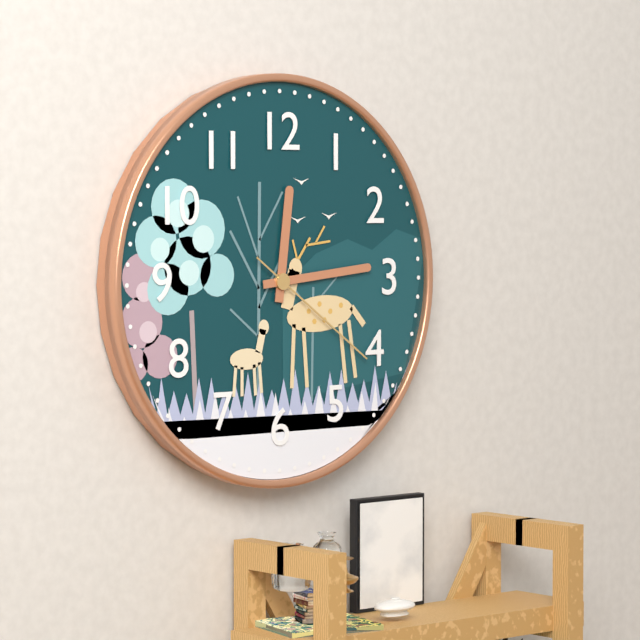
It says 12:14:21
